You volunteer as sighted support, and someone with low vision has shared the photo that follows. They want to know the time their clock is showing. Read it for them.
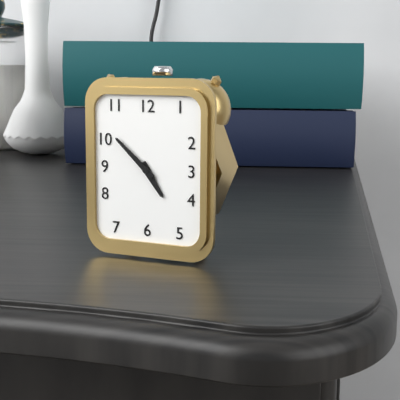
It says 4:52
